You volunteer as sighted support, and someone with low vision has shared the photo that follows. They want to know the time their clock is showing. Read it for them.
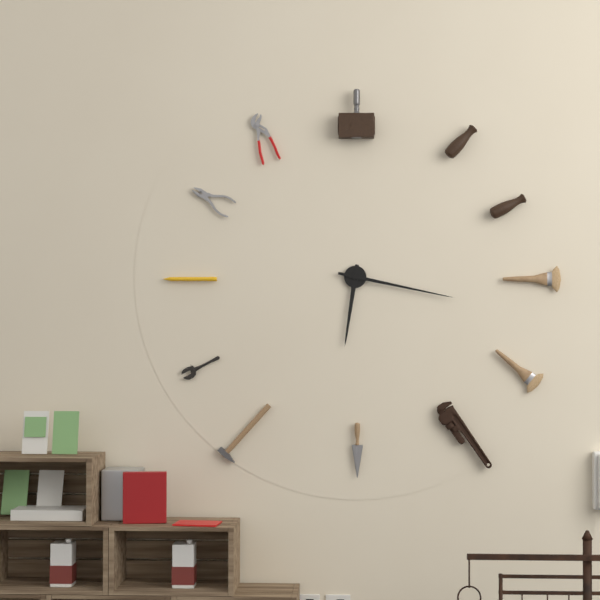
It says 6:17
